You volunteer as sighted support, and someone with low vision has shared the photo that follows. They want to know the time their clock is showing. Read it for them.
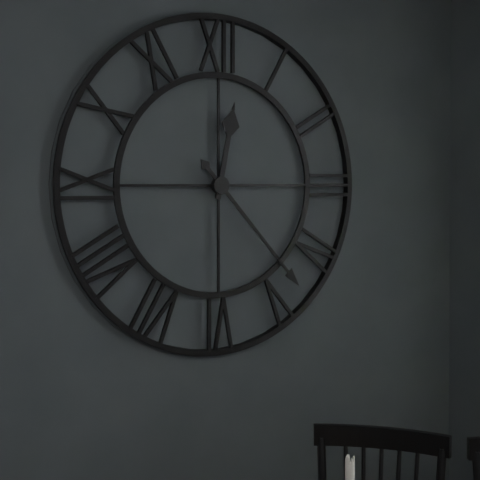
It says 12:23
